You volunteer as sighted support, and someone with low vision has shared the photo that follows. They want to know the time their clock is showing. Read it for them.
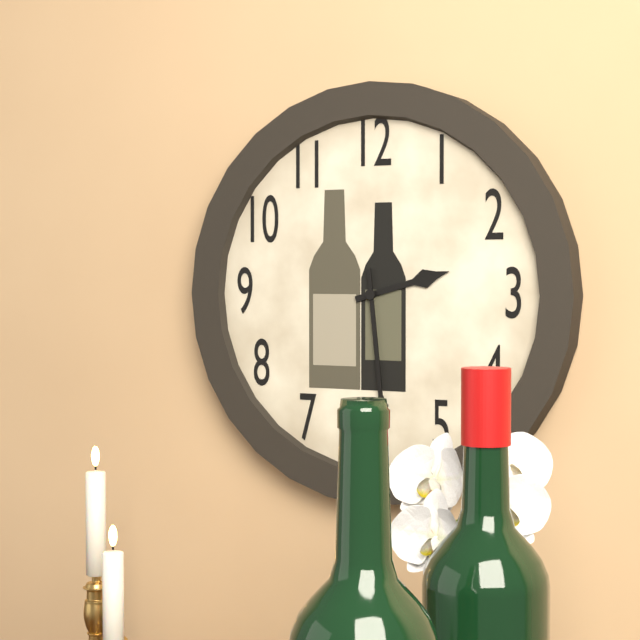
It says 2:29
